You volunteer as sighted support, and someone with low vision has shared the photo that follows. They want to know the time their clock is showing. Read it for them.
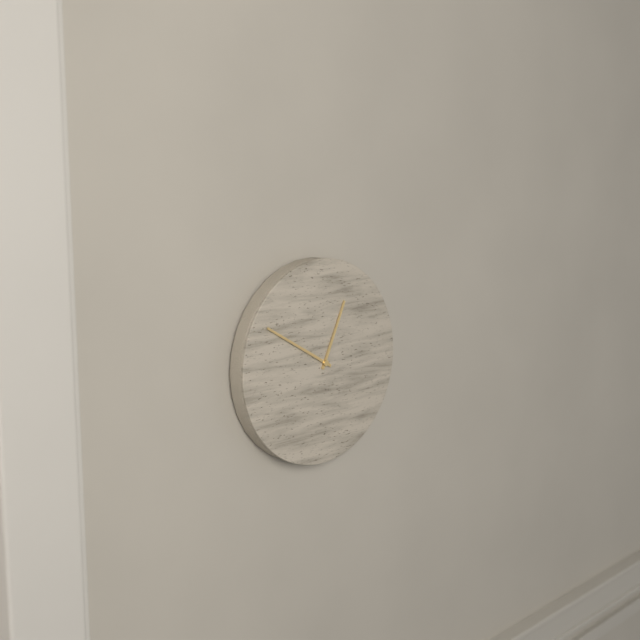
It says 12:50
